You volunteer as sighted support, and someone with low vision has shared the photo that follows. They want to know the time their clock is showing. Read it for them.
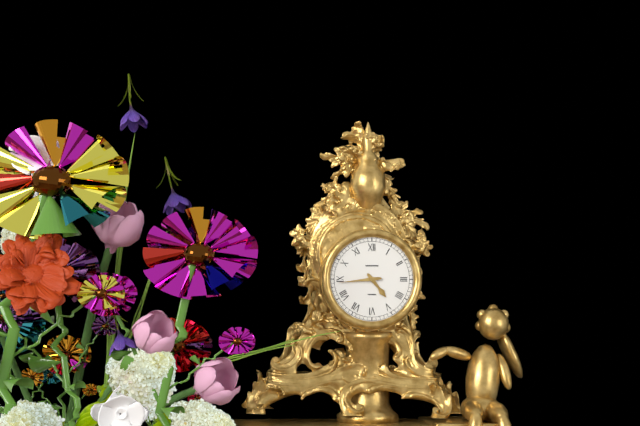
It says 4:44
